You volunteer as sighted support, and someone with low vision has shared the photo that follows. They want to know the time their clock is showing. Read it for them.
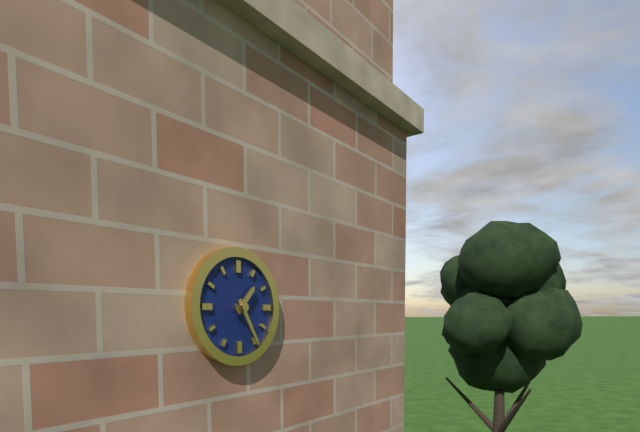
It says 1:25
